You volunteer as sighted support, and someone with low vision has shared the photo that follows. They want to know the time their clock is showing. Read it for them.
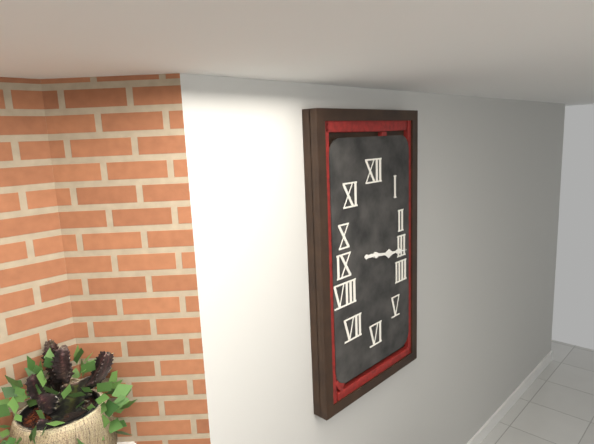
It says 3:16
